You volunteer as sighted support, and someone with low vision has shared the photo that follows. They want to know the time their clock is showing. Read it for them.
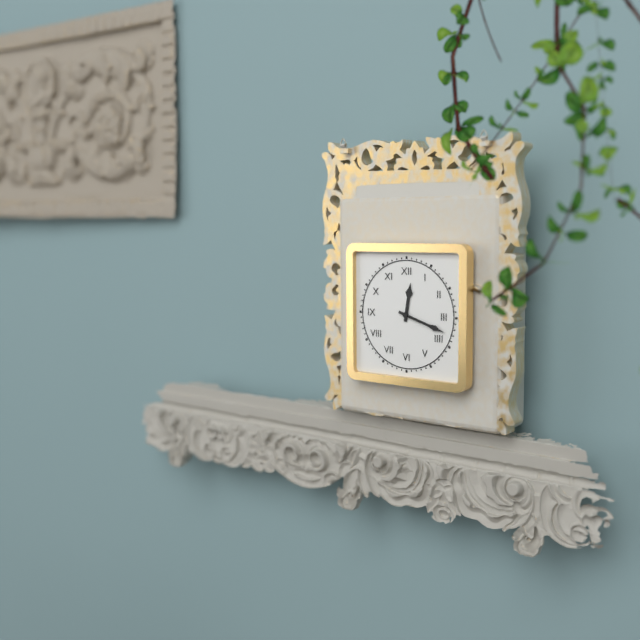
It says 12:18
